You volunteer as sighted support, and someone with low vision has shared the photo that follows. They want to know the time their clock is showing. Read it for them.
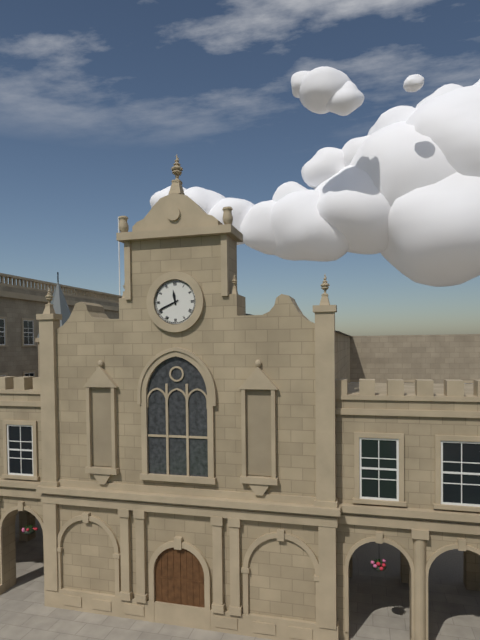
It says 11:41
